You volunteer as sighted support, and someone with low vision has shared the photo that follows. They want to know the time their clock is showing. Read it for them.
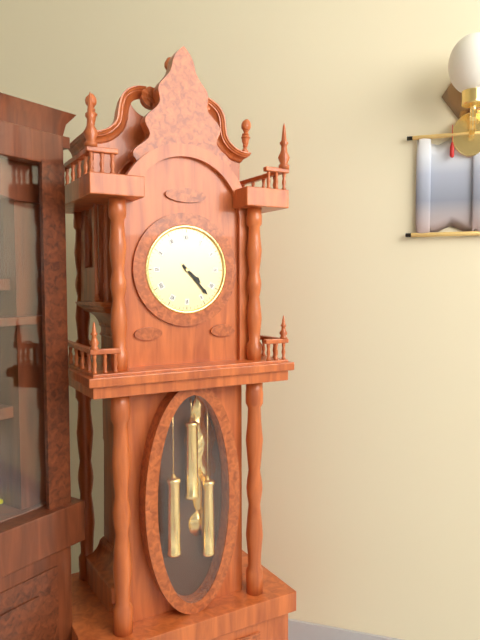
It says 4:23
